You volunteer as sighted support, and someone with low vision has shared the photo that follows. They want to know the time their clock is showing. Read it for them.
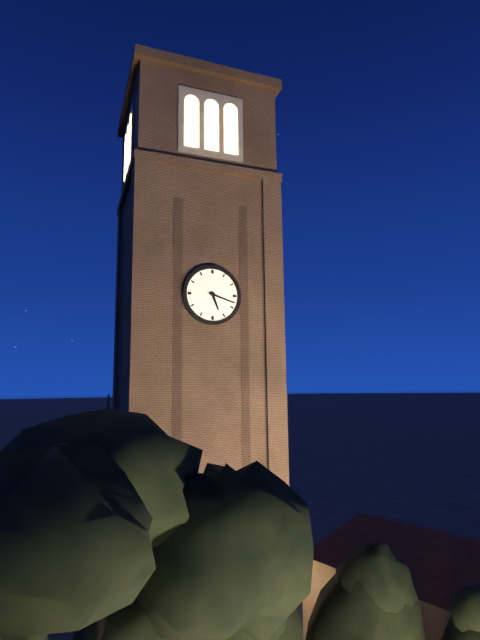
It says 5:18
